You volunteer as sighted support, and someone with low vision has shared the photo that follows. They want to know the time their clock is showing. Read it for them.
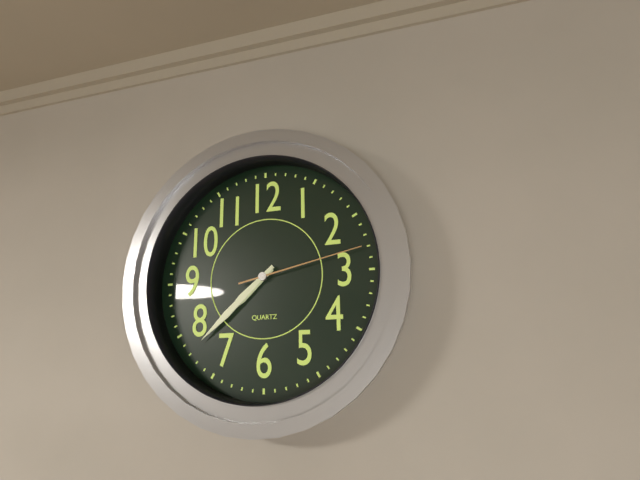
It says 7:38:13
